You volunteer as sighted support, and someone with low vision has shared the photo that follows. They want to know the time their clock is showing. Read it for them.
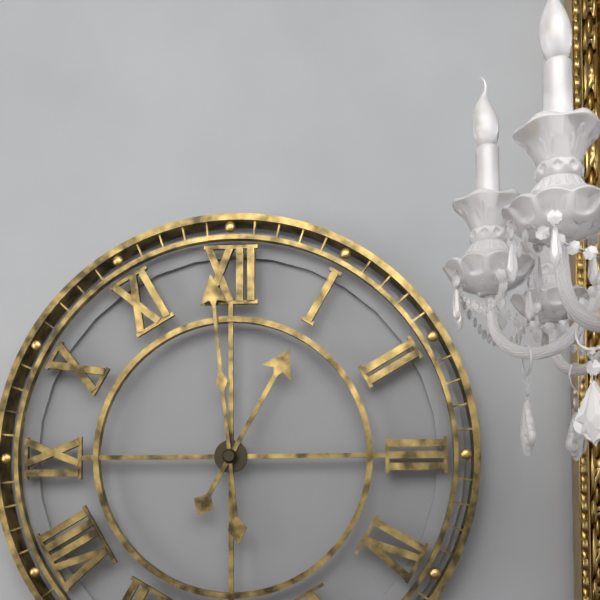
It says 12:59
